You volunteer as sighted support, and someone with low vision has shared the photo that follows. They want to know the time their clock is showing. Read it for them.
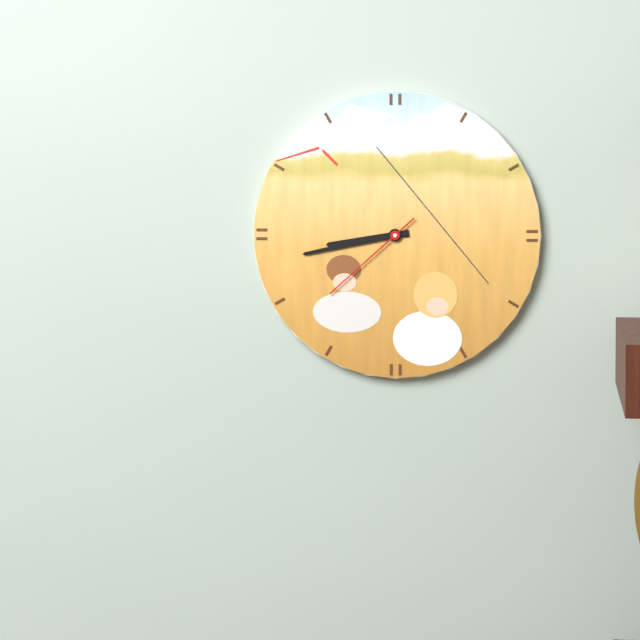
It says 8:43:38
